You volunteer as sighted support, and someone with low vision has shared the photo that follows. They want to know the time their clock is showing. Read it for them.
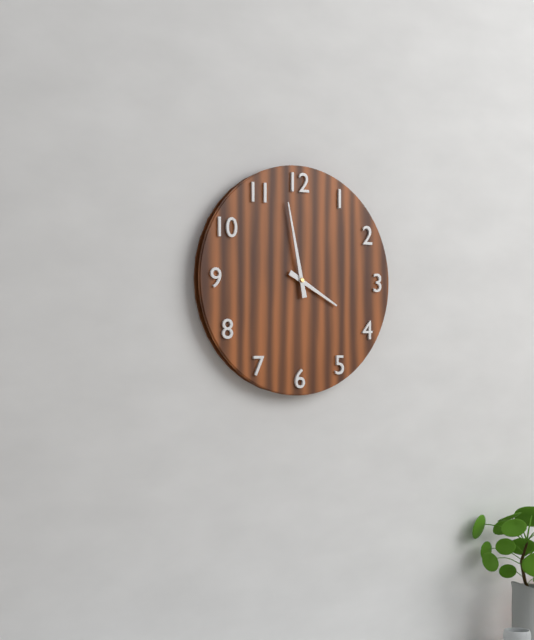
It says 3:58
